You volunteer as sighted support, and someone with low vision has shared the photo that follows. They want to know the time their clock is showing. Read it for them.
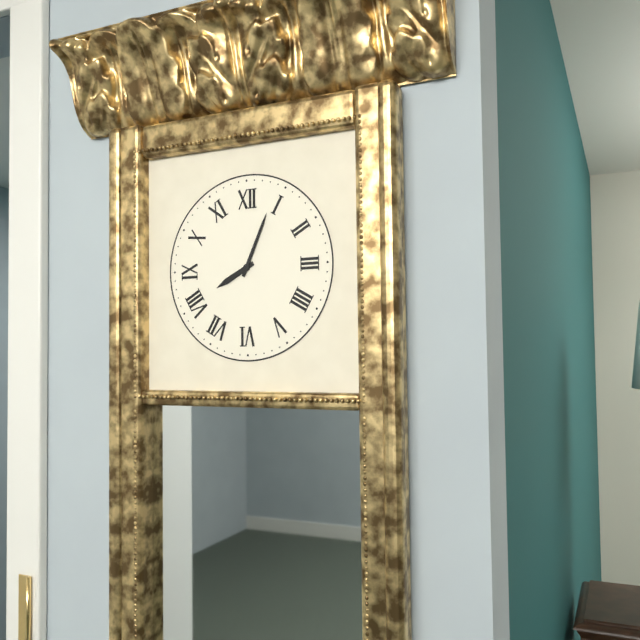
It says 8:04
